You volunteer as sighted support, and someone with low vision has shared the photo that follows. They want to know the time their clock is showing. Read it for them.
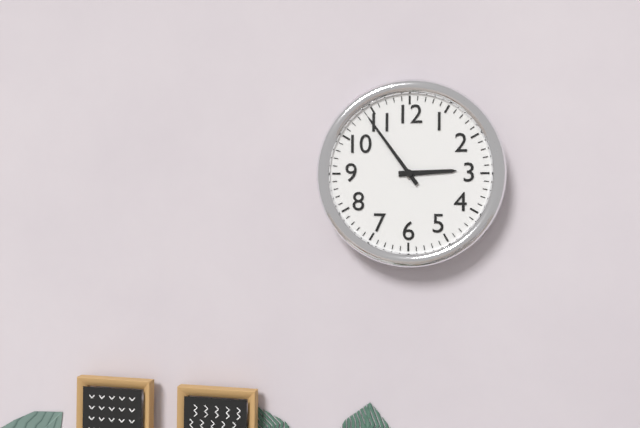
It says 2:54
